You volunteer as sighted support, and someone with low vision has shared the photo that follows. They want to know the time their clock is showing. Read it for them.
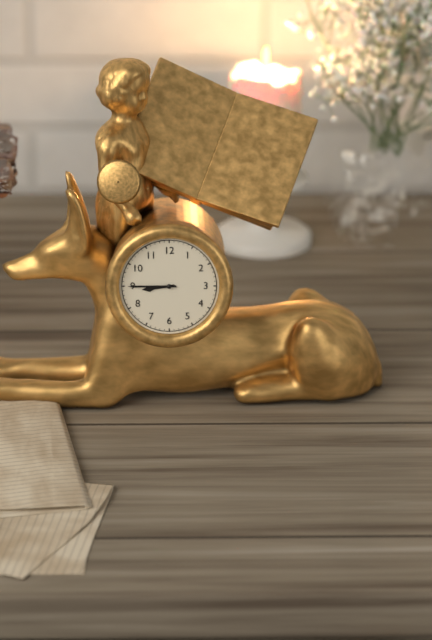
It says 8:45
